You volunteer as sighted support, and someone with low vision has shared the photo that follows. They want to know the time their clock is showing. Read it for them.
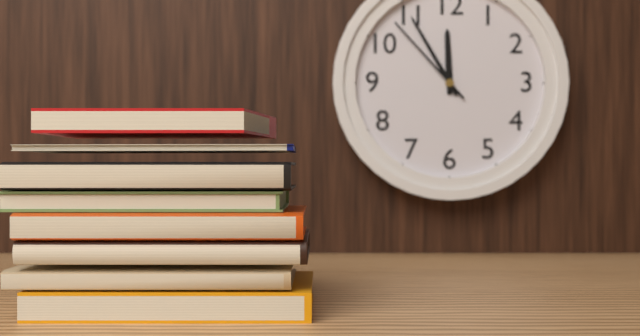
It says 11:55:53
